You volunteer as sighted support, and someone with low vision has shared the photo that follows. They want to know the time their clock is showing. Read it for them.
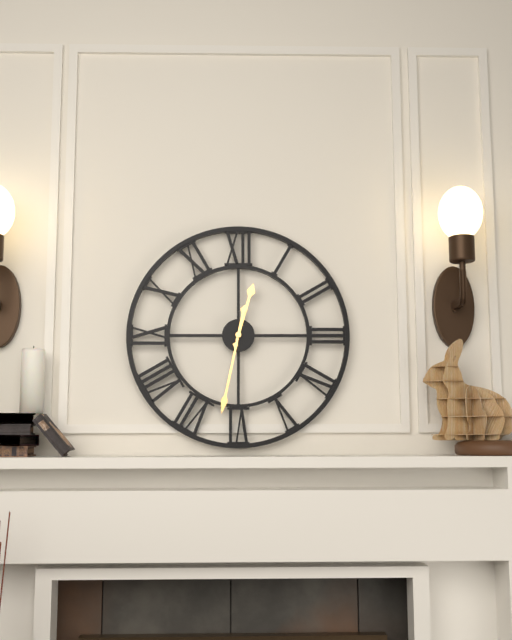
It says 12:32
